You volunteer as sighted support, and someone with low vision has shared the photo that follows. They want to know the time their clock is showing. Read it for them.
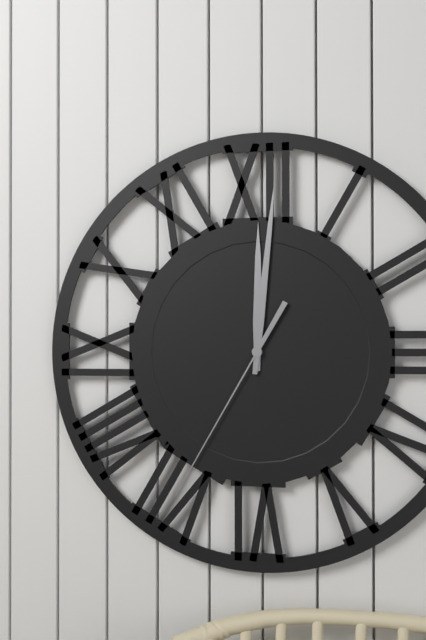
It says 12:01:35
